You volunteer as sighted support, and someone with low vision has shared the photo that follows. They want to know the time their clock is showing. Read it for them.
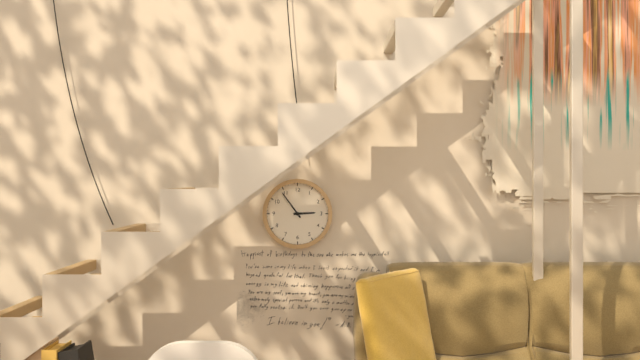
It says 2:54
